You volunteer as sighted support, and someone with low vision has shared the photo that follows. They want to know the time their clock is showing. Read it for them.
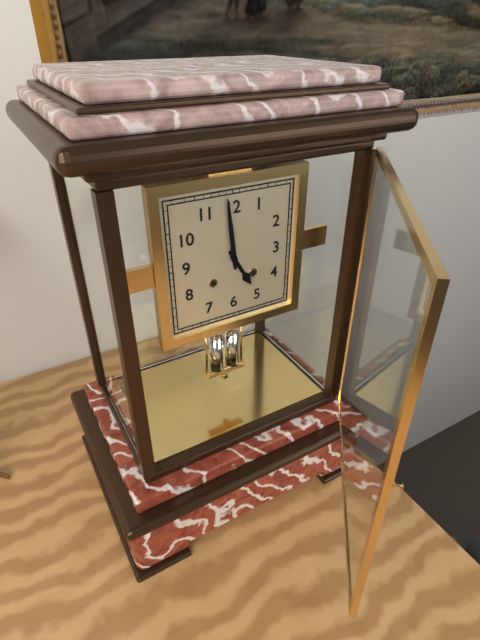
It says 4:59
